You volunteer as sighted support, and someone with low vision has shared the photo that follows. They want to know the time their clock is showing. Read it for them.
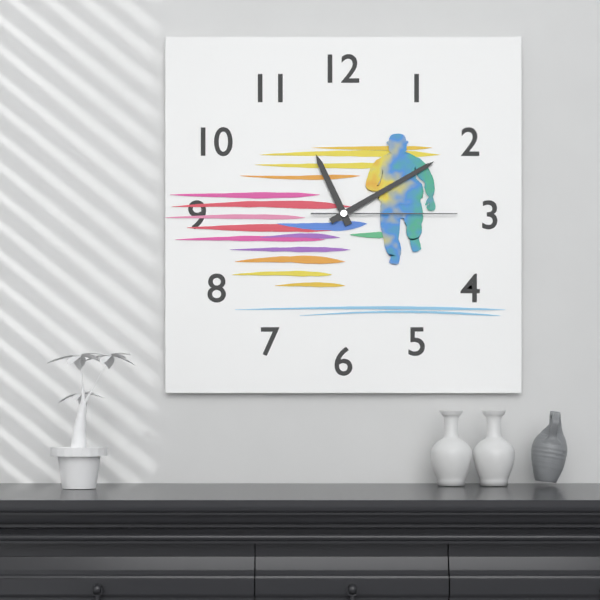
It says 11:10:15
